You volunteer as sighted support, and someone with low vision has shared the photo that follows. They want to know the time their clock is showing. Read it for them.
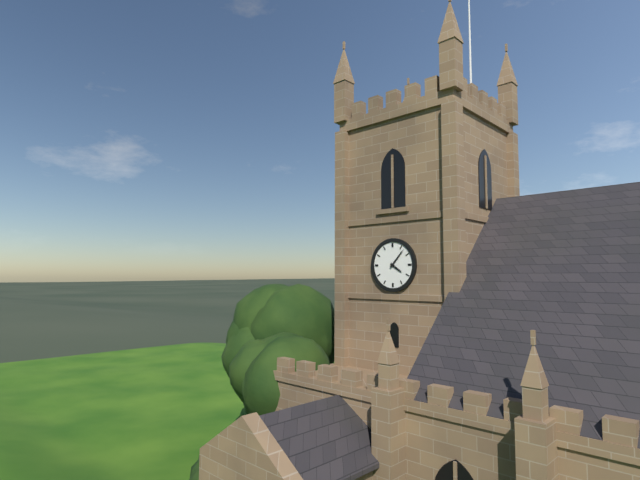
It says 4:07
